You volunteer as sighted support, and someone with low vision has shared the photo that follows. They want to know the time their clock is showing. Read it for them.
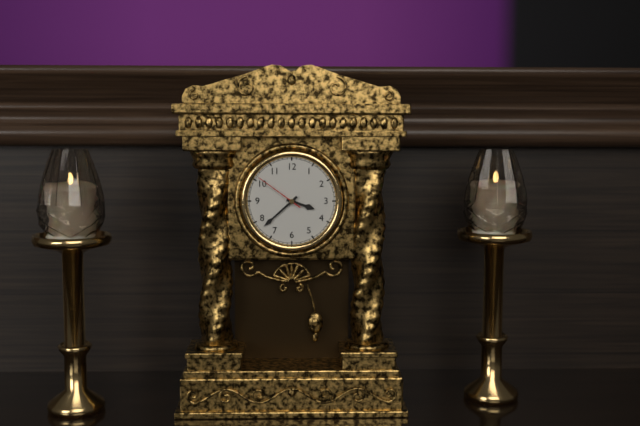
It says 3:38:51
